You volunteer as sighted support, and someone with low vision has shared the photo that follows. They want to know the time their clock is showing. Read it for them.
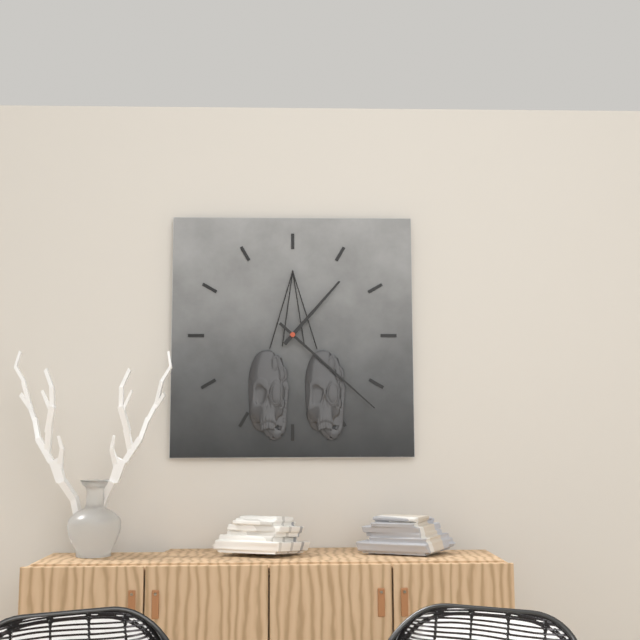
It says 1:22
